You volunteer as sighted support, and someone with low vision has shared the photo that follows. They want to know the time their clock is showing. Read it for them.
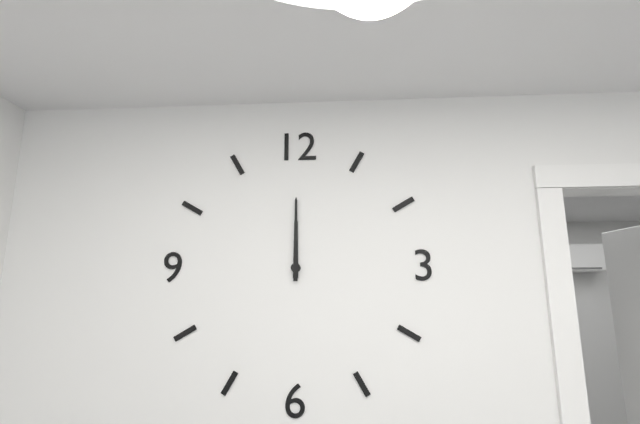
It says 12:00
